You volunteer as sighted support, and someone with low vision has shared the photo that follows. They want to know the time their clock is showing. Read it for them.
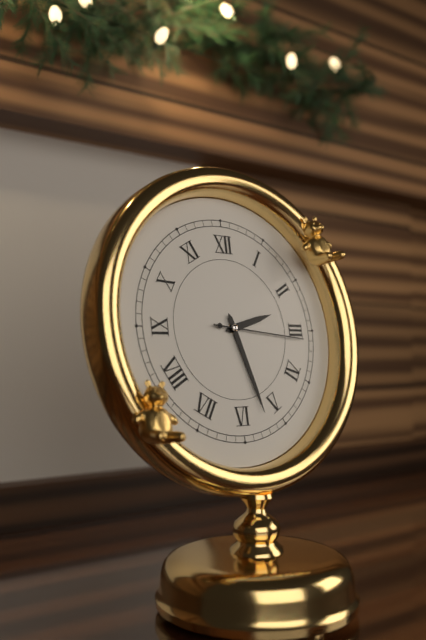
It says 2:27:16
